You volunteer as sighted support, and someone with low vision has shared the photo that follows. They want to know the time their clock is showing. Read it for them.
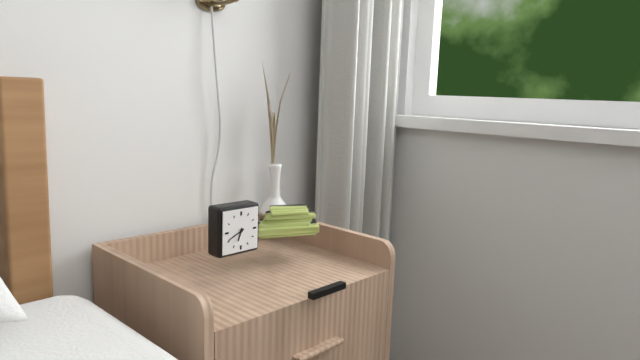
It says 6:41
